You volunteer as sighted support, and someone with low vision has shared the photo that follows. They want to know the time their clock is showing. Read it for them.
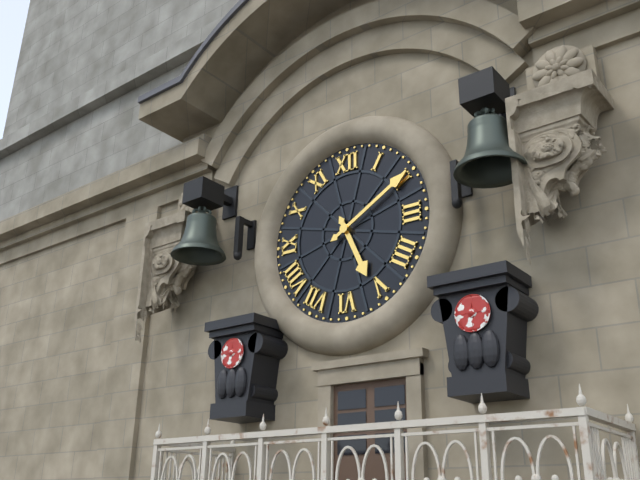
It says 5:10
